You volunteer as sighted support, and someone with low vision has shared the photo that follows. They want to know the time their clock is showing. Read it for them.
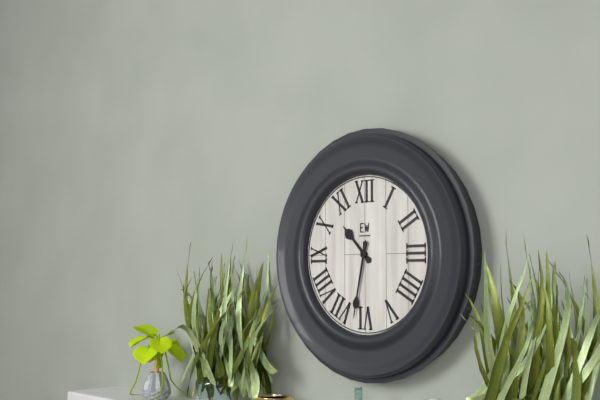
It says 10:32
